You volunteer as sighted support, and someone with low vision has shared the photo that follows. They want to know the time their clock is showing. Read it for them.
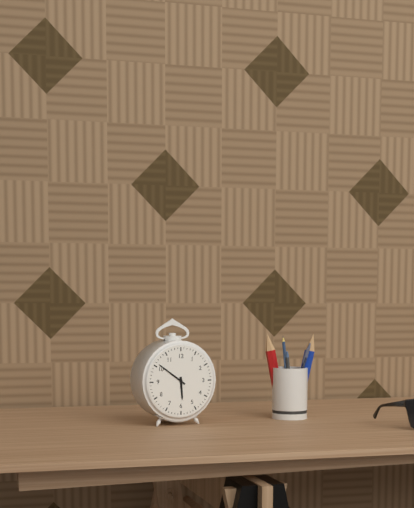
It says 5:51
